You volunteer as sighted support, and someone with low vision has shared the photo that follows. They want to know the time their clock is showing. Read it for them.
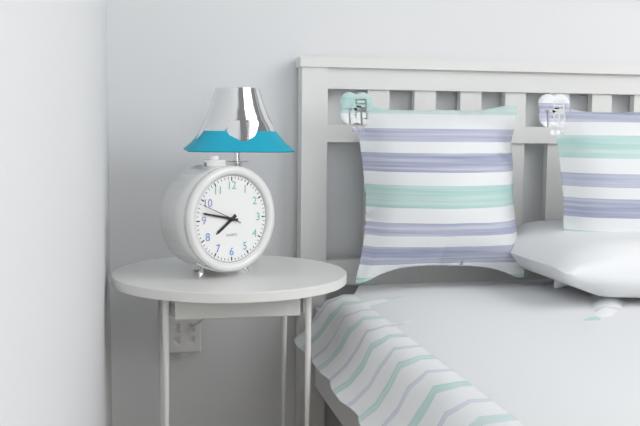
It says 7:47
